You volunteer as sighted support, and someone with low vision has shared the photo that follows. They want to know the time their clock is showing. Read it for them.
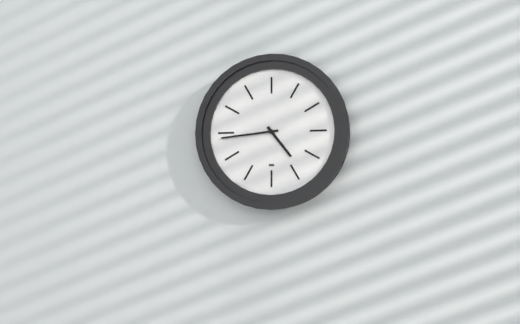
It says 4:44
